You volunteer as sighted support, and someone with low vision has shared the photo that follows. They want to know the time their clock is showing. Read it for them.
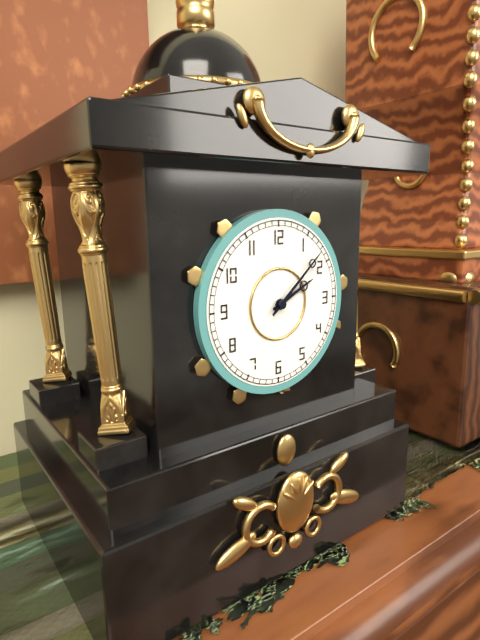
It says 2:08
